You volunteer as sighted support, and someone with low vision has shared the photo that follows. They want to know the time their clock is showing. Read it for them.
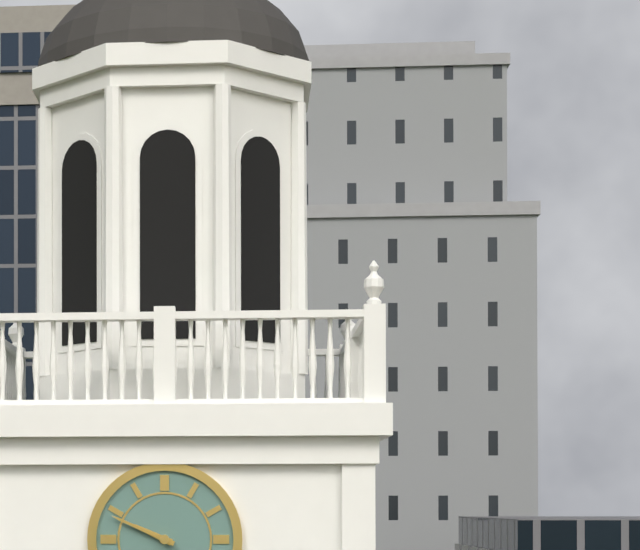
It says 9:49
